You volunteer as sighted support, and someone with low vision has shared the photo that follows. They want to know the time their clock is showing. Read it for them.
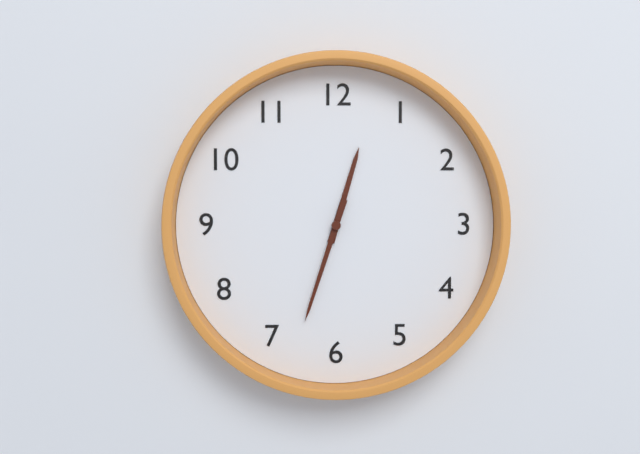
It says 12:33
